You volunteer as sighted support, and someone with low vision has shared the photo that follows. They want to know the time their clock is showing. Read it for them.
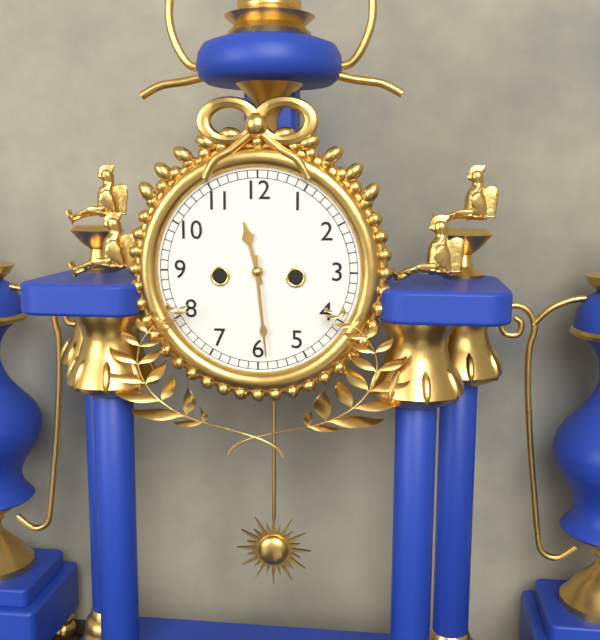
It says 11:29
